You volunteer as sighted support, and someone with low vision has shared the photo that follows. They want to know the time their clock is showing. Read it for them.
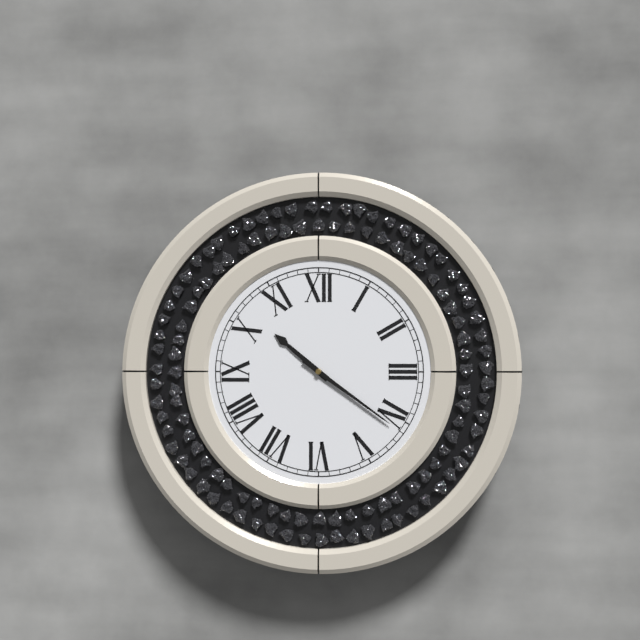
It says 10:21
